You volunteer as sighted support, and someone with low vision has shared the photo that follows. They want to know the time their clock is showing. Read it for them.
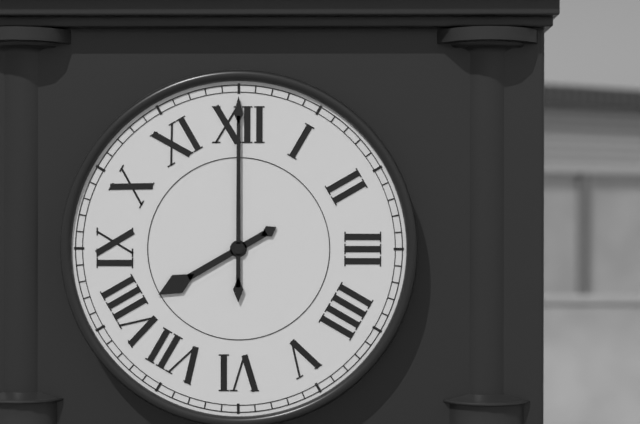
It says 8:00
